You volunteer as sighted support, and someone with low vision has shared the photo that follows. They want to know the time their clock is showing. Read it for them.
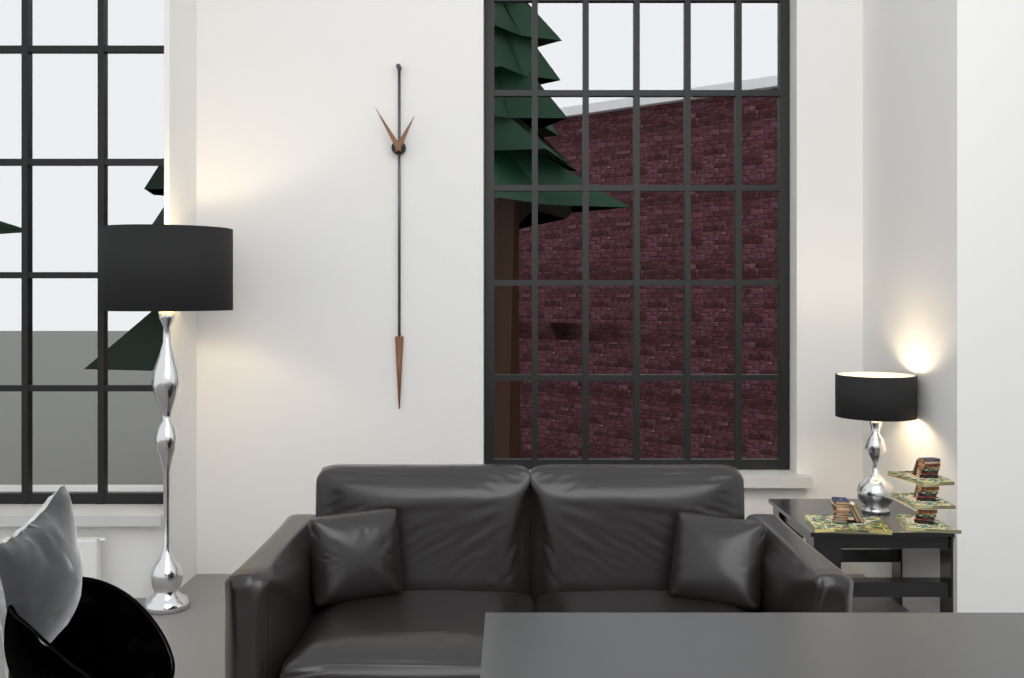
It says 12:55
